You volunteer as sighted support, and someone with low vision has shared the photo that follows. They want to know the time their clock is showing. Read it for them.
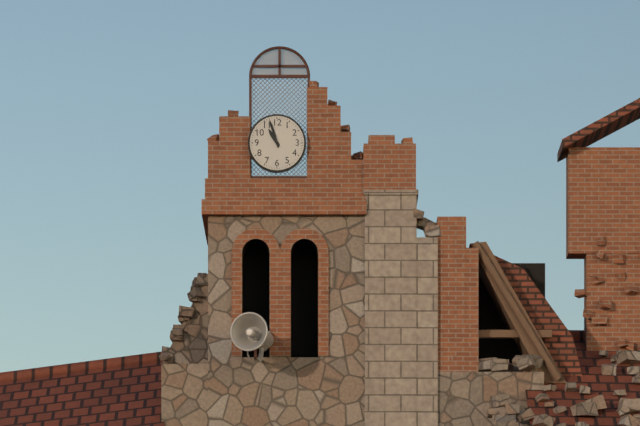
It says 10:57
